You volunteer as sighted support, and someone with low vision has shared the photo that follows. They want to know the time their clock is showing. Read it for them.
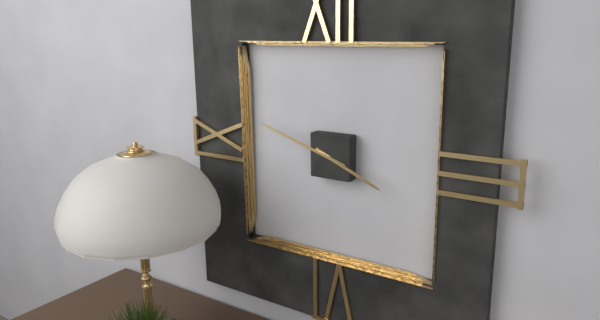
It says 3:48
